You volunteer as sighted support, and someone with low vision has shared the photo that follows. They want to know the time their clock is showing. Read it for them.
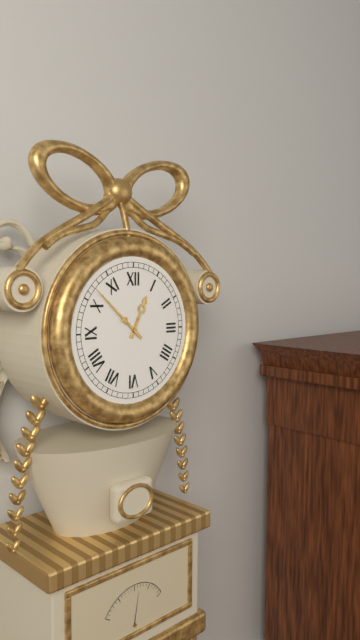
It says 12:52
